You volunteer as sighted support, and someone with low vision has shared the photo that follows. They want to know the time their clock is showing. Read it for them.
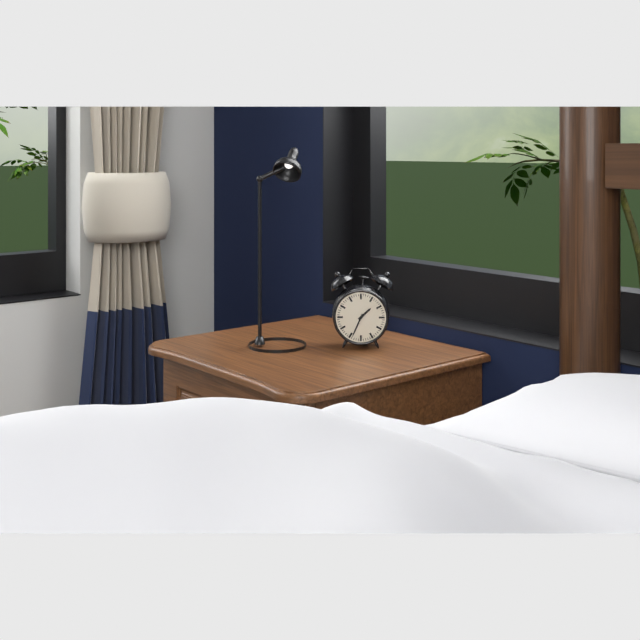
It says 1:34
